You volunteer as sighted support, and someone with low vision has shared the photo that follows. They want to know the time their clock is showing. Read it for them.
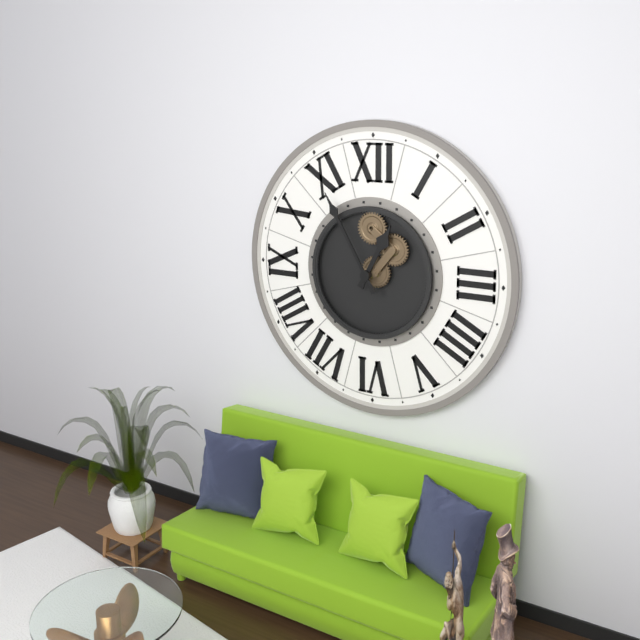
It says 12:55
